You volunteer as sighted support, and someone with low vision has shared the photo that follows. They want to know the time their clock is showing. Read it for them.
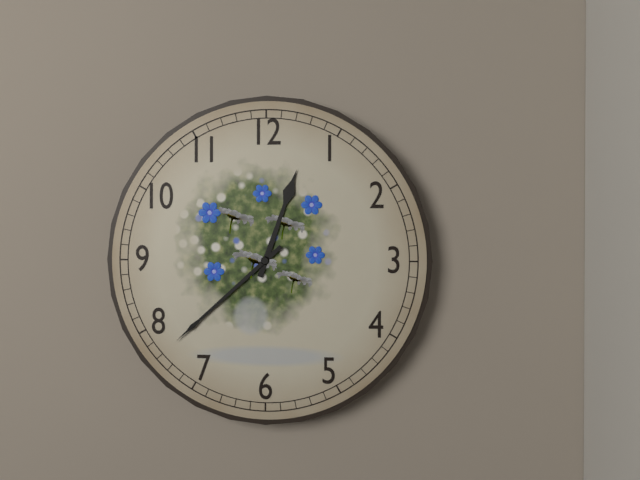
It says 12:38
